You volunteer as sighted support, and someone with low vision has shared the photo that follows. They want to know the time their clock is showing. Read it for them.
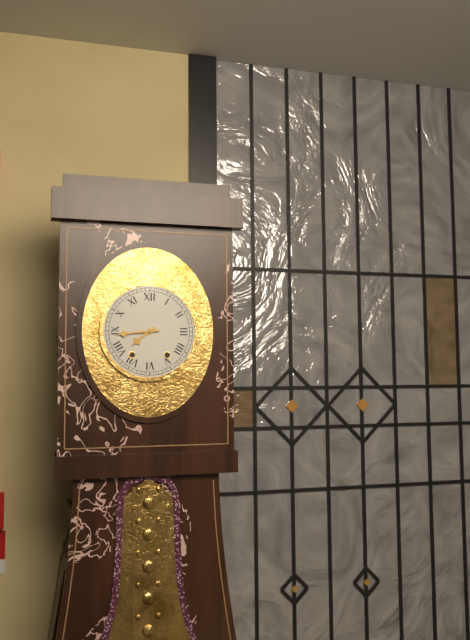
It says 7:44
